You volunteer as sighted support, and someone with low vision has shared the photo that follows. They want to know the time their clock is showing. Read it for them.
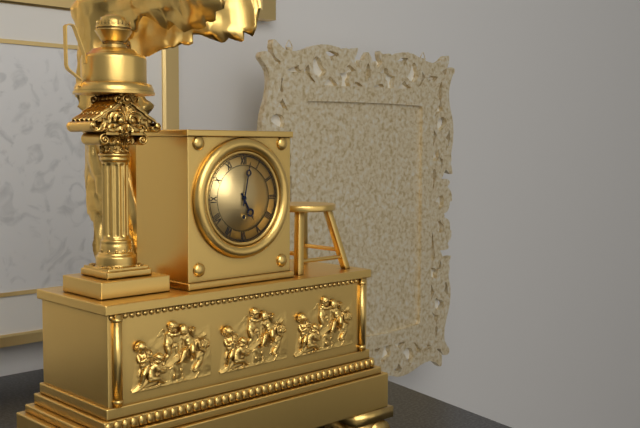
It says 5:02
